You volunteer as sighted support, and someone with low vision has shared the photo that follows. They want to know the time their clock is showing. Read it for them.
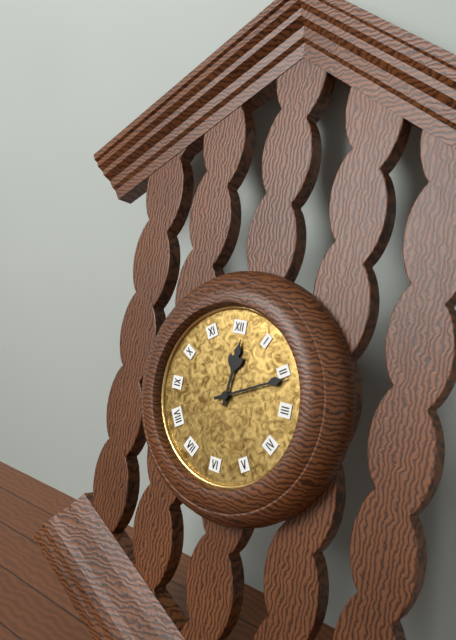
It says 12:11
